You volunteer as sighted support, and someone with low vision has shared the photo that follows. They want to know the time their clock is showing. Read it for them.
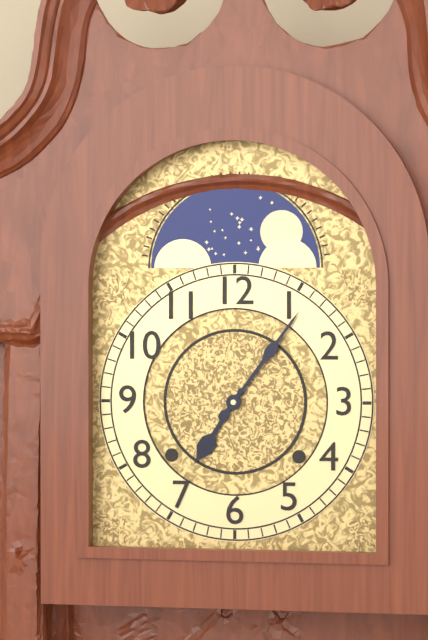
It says 7:06
